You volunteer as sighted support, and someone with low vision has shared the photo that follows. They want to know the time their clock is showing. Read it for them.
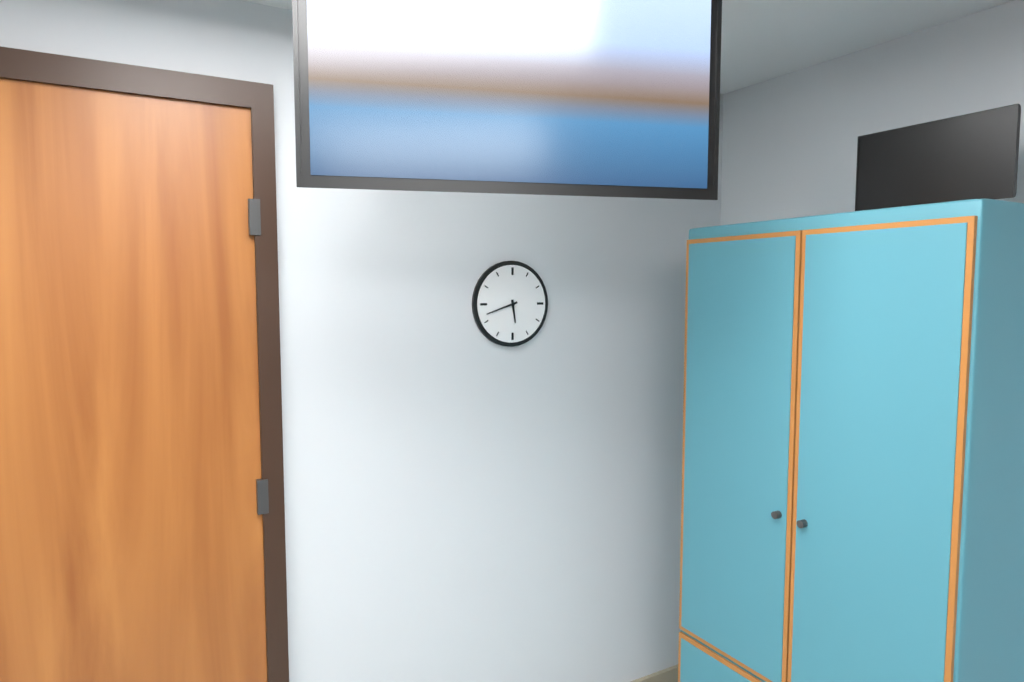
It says 5:42
